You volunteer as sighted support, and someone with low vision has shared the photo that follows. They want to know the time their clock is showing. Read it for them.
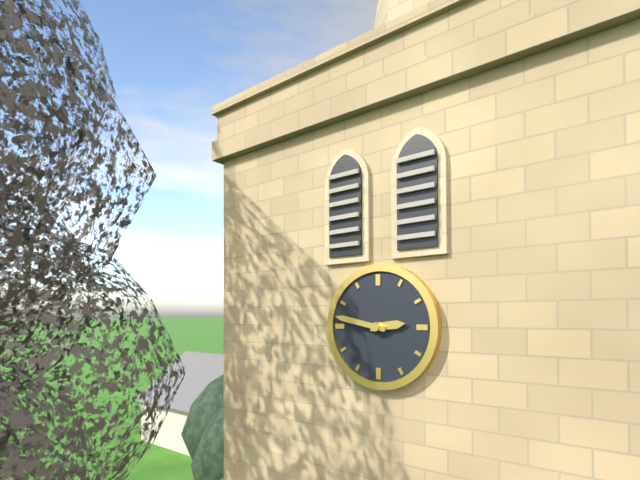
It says 2:47
